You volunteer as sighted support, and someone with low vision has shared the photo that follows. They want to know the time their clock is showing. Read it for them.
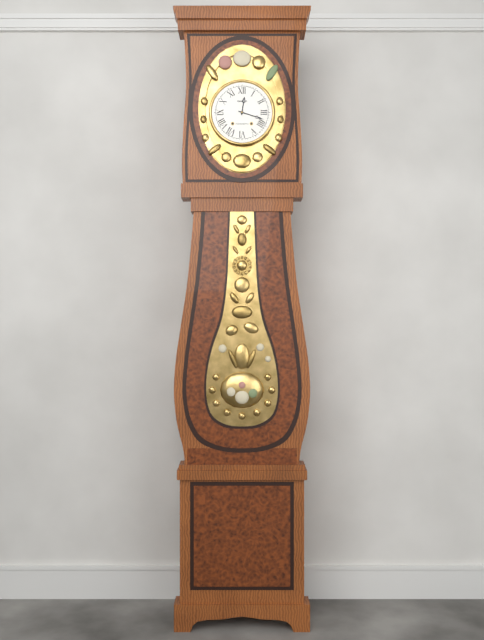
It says 12:18
